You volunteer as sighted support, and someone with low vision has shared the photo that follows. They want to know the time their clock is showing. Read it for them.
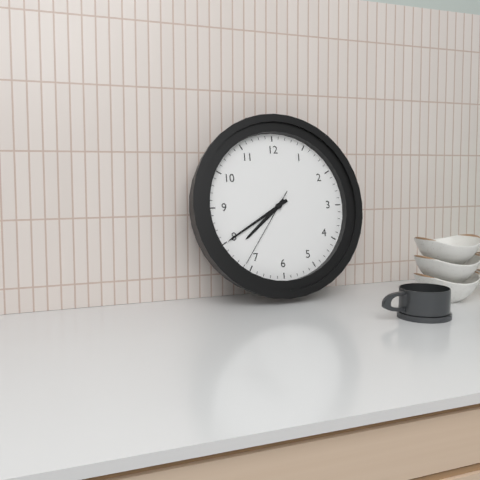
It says 7:40:36
